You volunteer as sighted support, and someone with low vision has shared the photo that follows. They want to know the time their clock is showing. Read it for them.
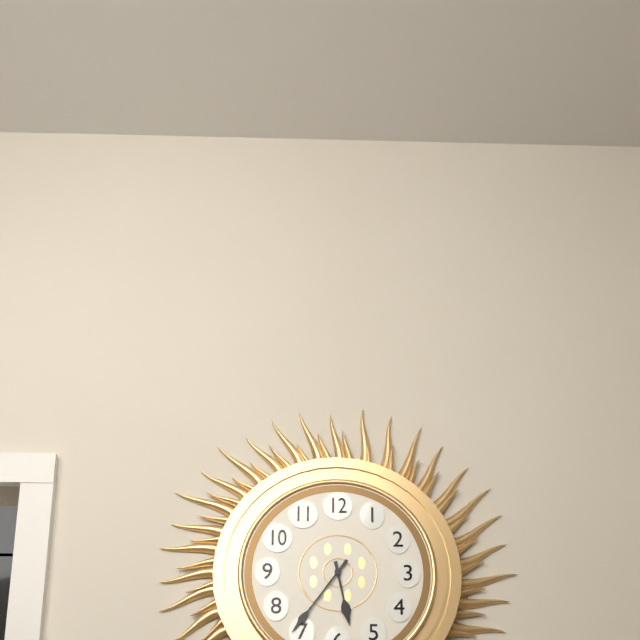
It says 5:36
